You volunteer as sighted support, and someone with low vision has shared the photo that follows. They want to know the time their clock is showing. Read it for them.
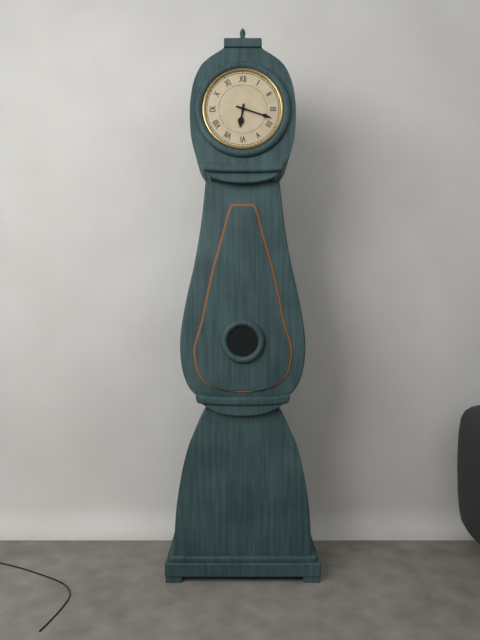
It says 6:18
